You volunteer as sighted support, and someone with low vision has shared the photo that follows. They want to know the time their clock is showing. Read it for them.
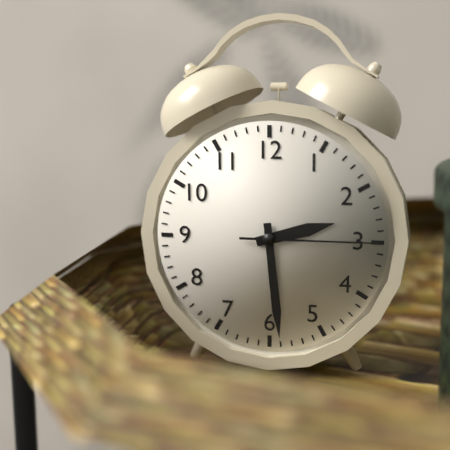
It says 2:29:15
